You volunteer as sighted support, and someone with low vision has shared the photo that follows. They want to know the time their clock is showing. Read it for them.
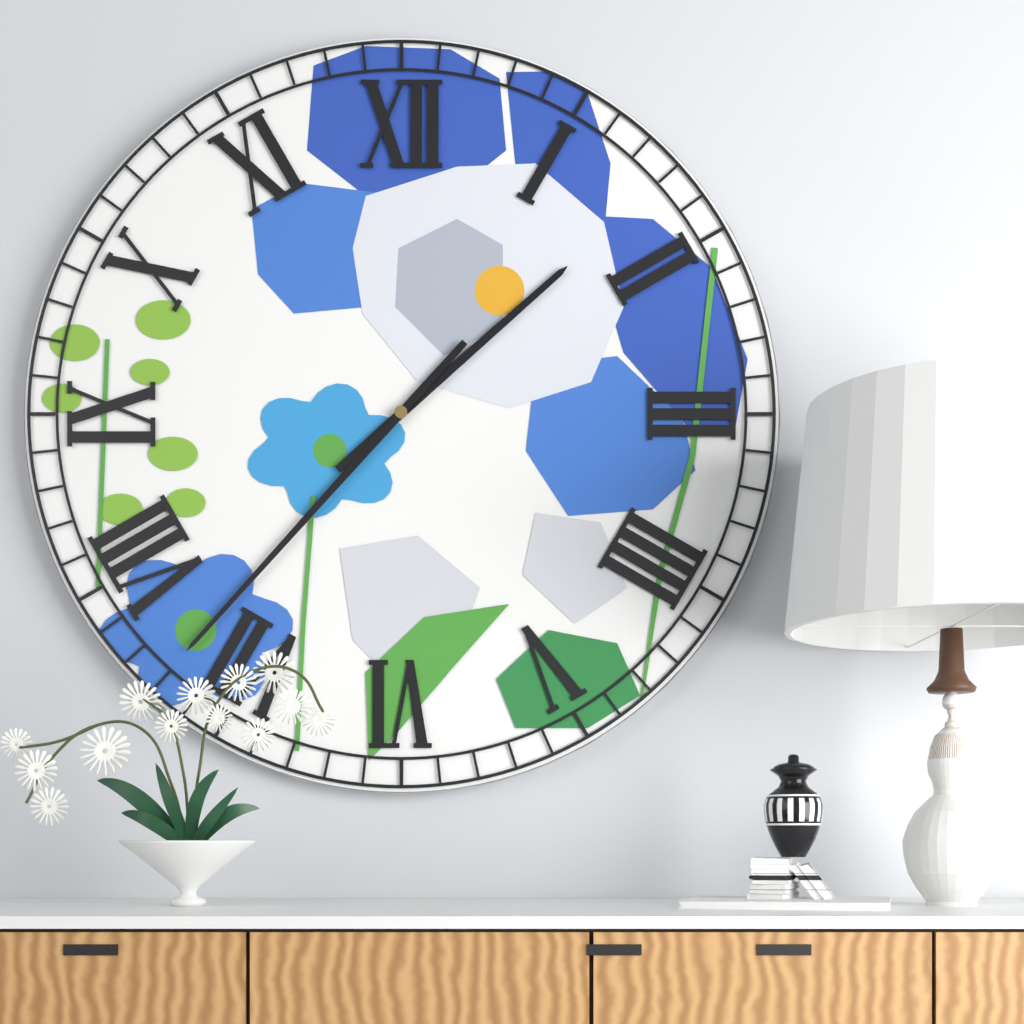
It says 1:37
